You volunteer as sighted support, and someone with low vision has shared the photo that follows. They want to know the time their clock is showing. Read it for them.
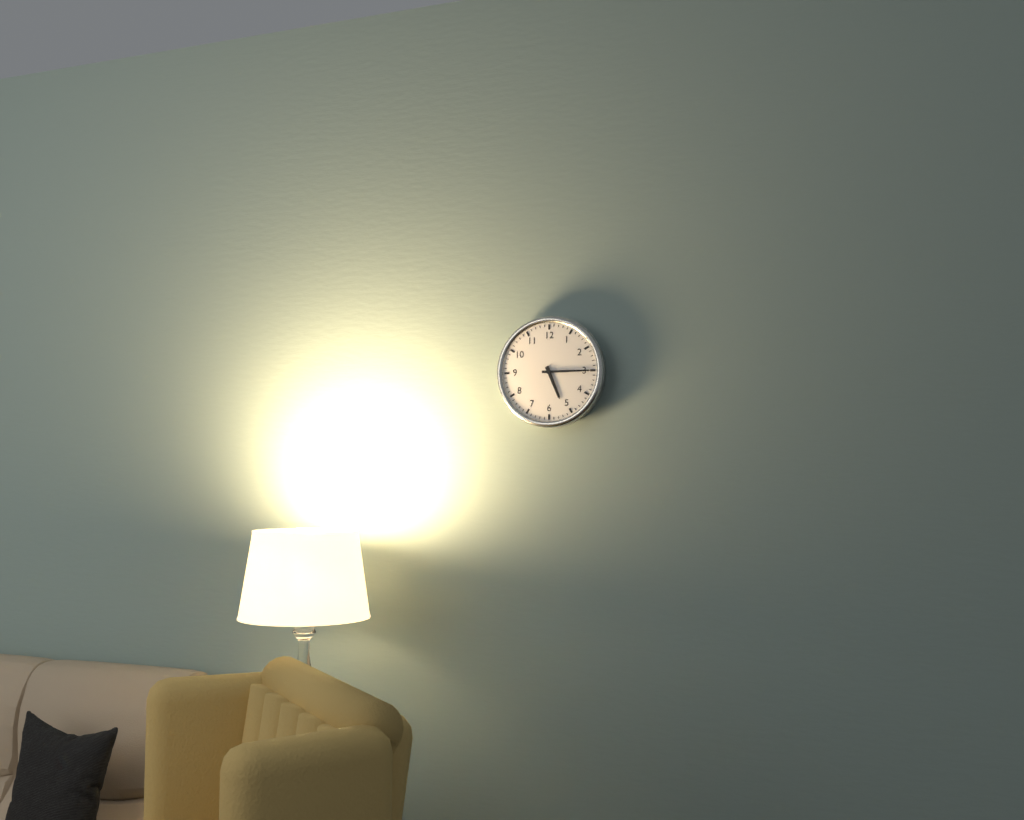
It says 5:15
